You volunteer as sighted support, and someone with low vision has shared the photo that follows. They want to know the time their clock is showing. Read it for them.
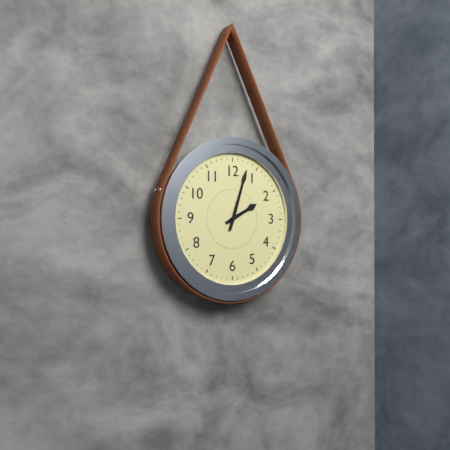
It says 2:03
